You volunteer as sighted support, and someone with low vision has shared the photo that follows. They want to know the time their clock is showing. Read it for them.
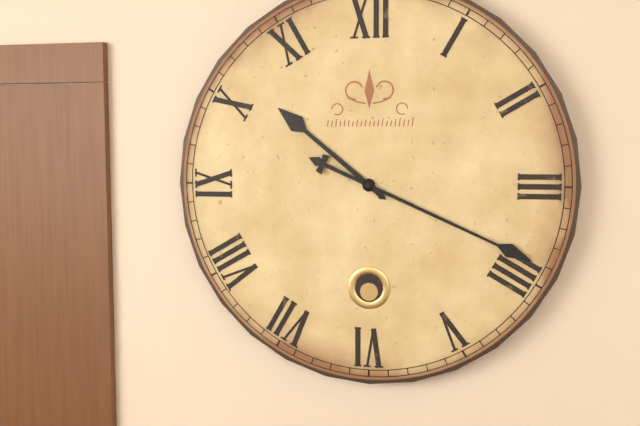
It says 10:19
